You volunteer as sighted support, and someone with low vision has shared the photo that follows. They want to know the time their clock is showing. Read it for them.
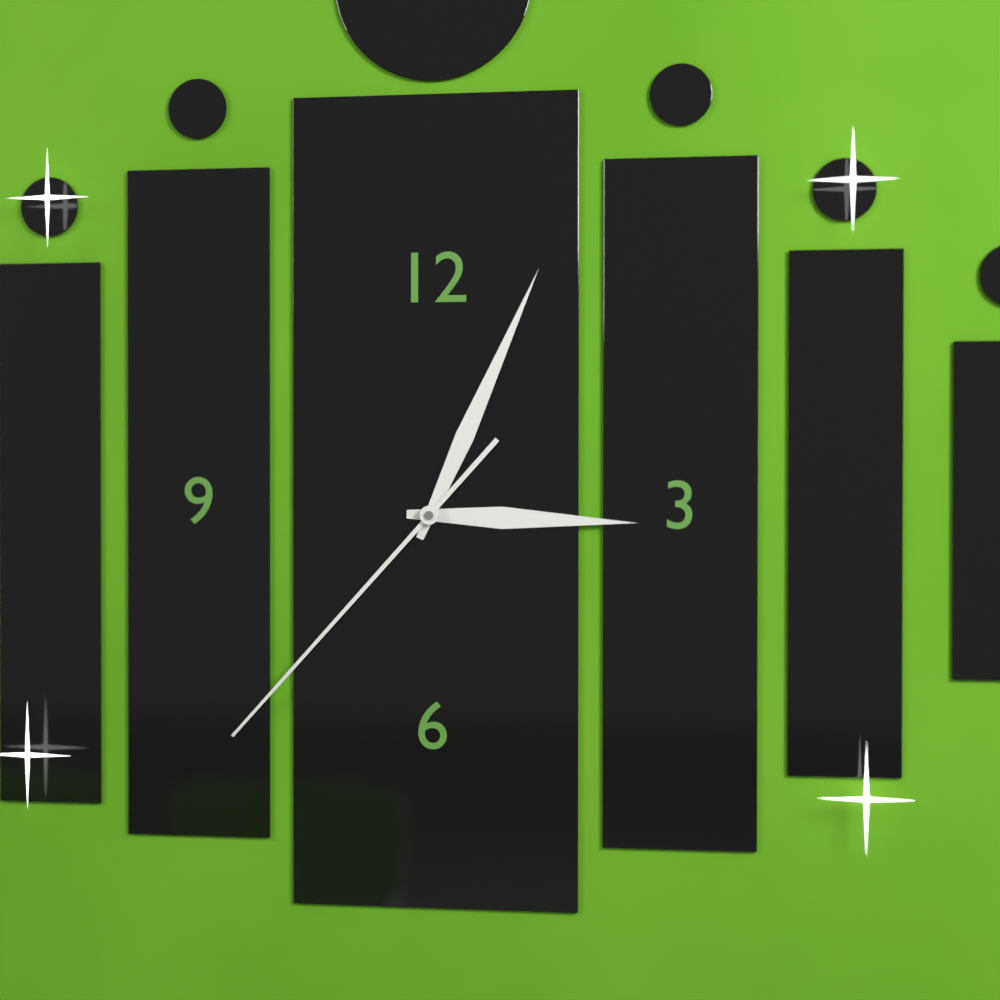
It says 3:04:37
